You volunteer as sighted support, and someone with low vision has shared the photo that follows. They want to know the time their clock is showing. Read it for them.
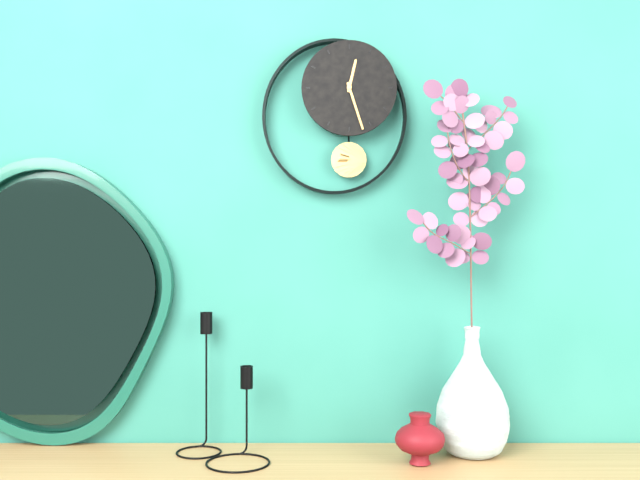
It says 12:27
